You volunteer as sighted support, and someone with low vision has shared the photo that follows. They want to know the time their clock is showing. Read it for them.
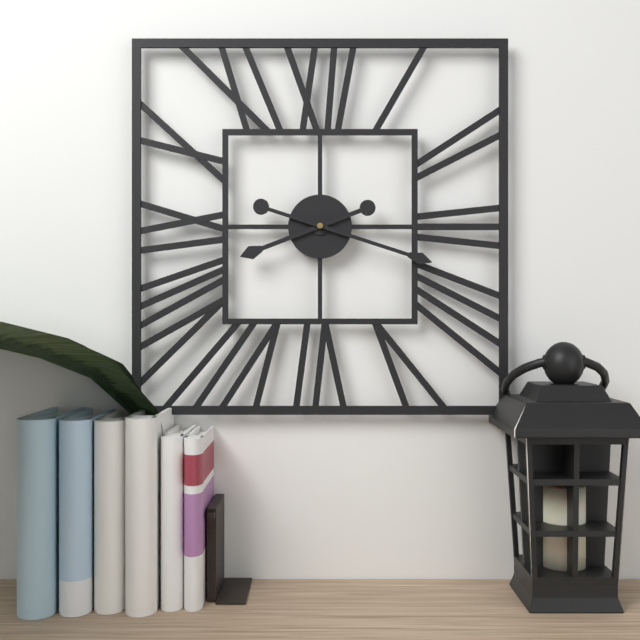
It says 8:18
